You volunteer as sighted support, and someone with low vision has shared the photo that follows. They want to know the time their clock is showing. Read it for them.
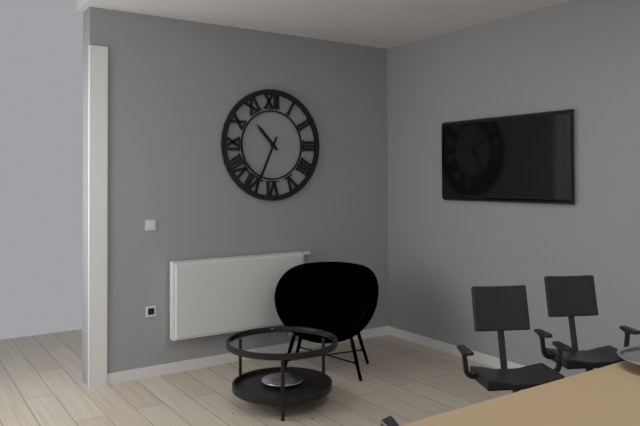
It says 10:34
